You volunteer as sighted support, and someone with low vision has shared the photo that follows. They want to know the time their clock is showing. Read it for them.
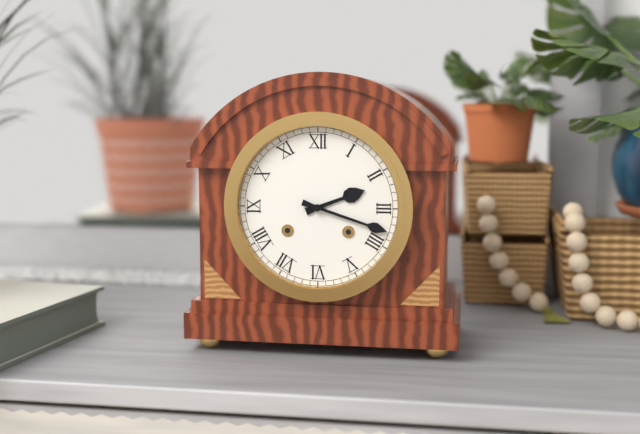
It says 2:18
